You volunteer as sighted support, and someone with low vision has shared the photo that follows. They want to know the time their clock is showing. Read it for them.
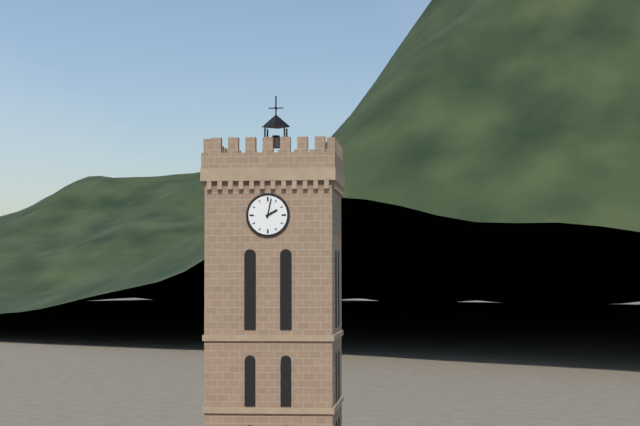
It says 2:02
